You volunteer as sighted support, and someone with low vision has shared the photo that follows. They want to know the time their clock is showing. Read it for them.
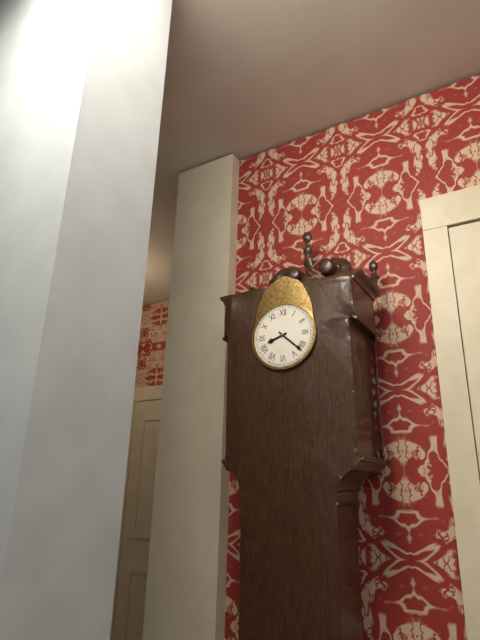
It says 8:22
